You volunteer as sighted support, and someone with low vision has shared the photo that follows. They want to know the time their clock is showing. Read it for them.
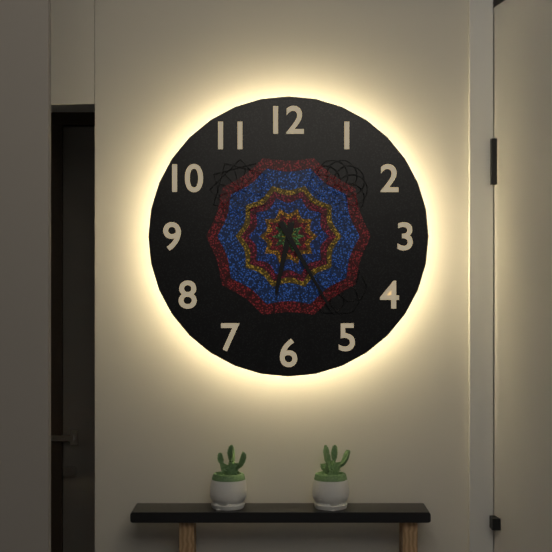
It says 6:25
